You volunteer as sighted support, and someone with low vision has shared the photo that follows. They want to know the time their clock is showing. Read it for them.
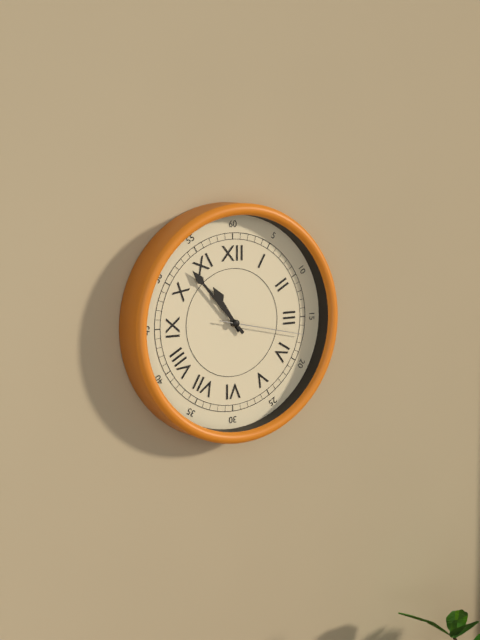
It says 10:53:17
